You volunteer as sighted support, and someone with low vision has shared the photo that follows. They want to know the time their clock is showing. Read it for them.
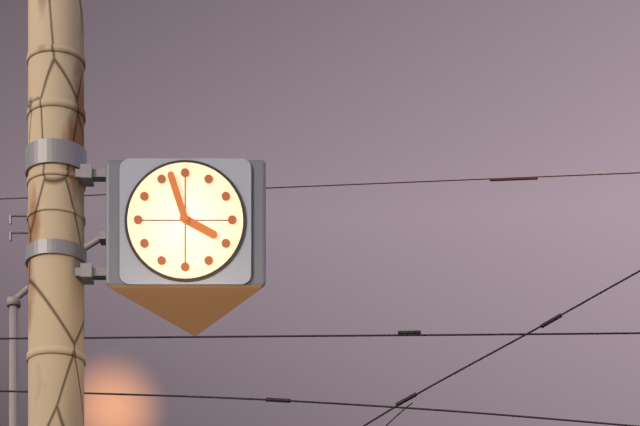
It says 3:57
